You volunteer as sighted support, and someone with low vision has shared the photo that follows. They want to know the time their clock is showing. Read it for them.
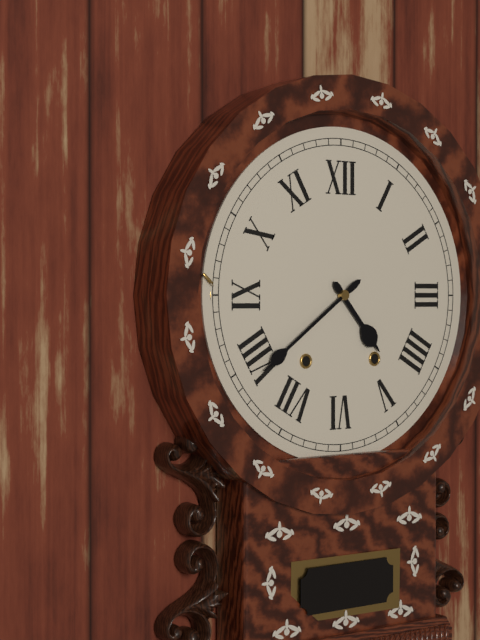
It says 4:39
